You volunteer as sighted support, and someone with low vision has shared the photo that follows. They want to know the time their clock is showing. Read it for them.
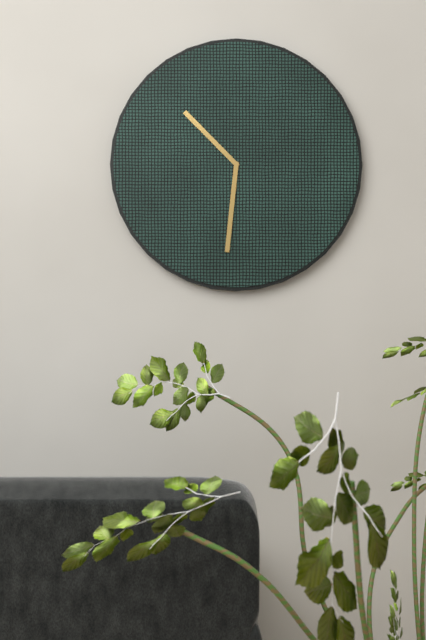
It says 10:31
